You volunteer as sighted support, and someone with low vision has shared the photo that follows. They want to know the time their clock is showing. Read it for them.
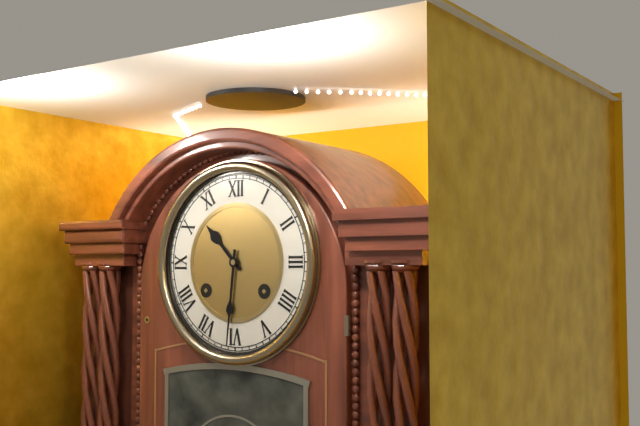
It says 10:31
